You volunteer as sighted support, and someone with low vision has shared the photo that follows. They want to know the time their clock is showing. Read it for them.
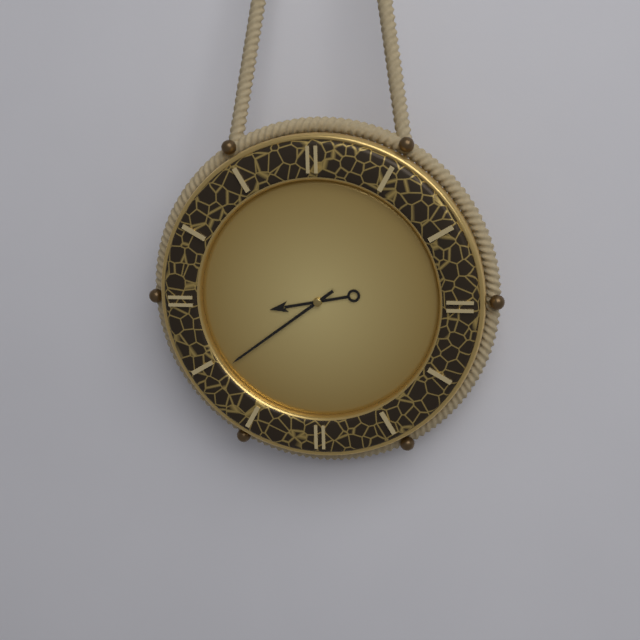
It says 8:39
